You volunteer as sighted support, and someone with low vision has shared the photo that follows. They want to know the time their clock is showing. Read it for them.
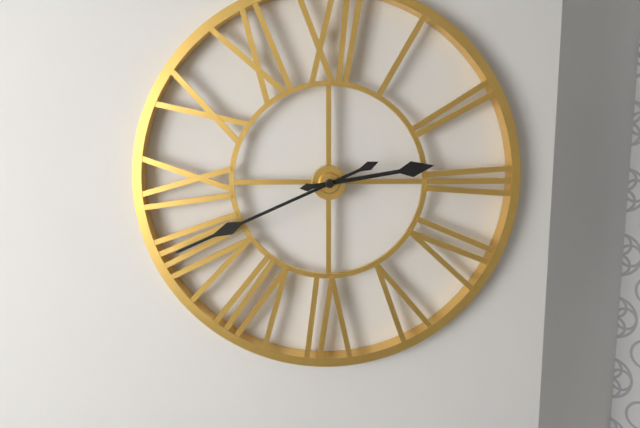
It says 2:41
